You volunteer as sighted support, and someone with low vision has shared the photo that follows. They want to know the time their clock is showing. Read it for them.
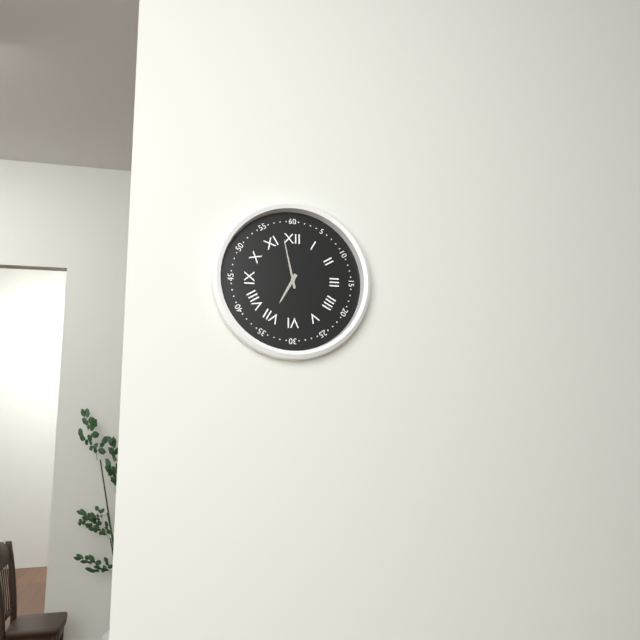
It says 6:58
